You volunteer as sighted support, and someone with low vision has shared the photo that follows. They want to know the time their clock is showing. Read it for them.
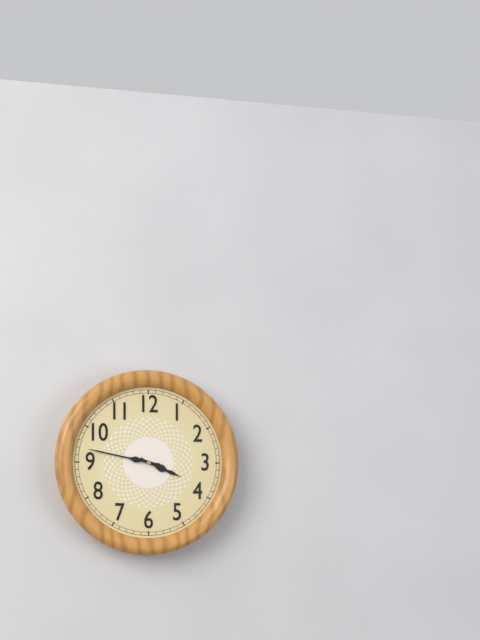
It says 3:47
